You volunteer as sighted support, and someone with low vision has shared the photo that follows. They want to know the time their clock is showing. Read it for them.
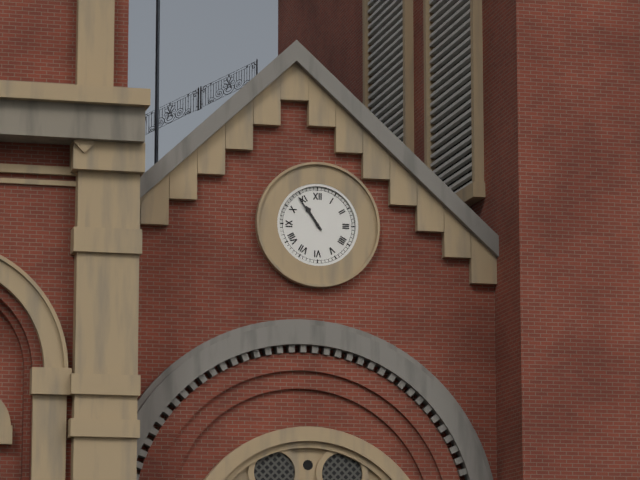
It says 10:54
